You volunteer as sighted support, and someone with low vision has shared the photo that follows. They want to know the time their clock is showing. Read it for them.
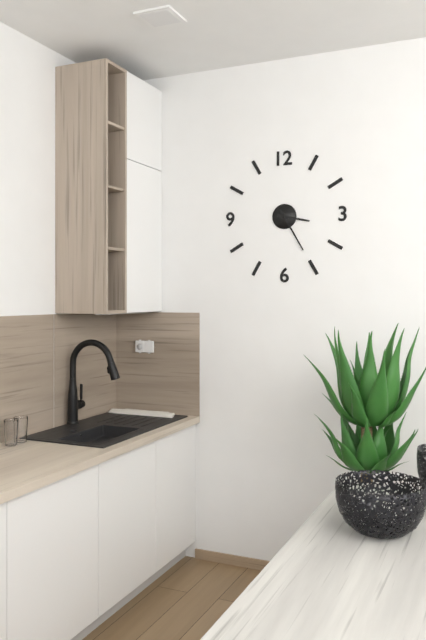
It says 3:25
